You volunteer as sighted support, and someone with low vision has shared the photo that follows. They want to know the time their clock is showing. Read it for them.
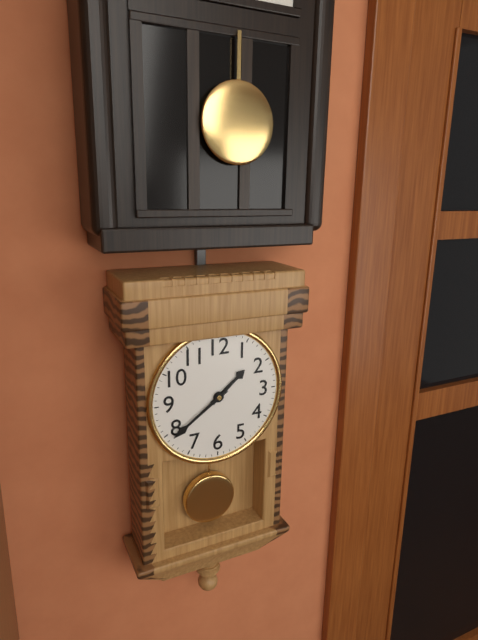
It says 1:39
